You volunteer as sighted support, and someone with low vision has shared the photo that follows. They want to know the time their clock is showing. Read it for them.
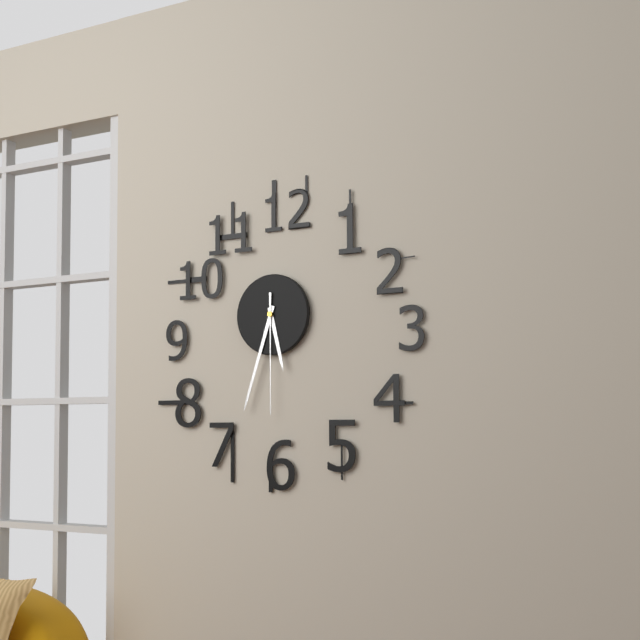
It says 5:33:30
